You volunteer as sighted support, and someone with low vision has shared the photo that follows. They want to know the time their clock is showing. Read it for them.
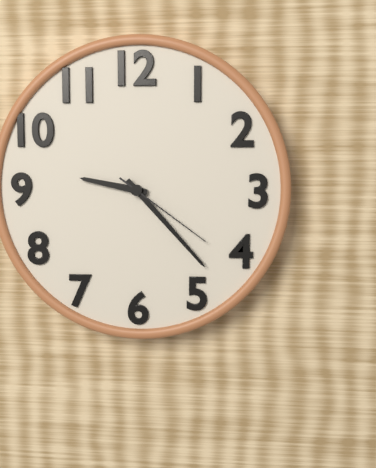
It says 9:23:21
